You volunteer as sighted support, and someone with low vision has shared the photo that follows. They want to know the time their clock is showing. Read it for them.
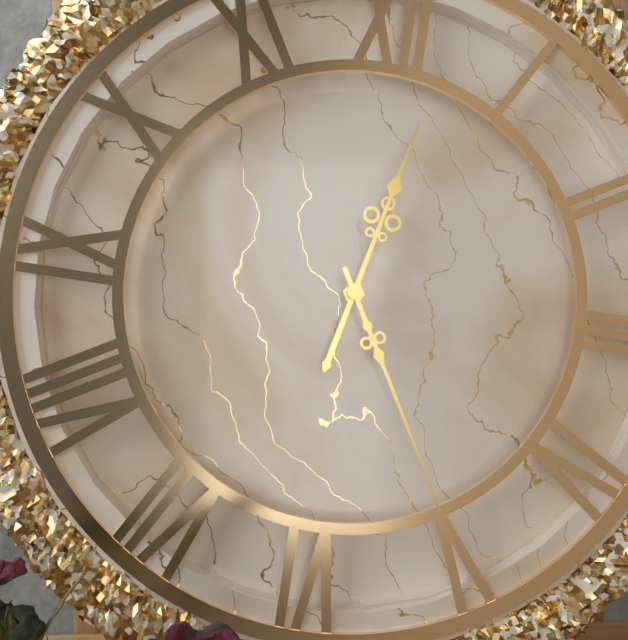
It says 12:25
